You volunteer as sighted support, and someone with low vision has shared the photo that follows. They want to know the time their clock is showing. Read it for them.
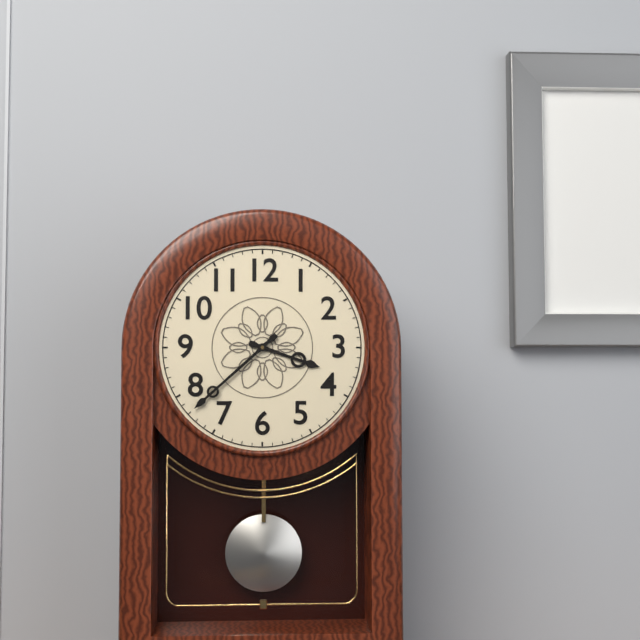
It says 3:38
